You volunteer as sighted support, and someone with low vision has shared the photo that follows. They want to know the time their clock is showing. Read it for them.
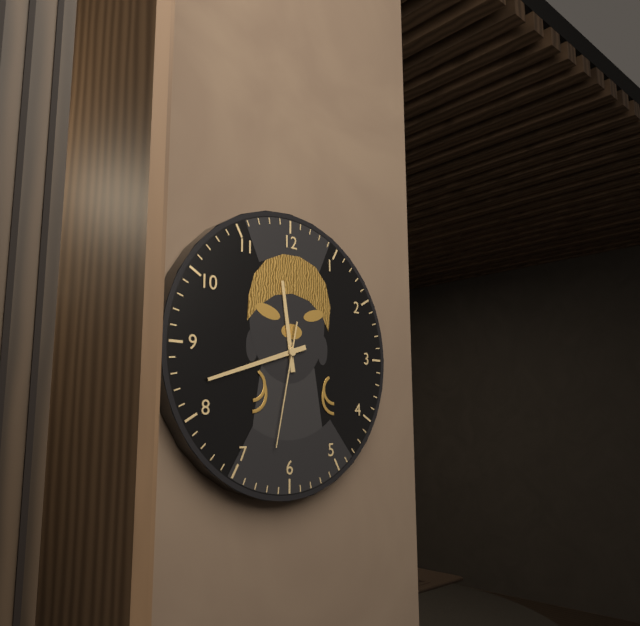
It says 11:42:32
